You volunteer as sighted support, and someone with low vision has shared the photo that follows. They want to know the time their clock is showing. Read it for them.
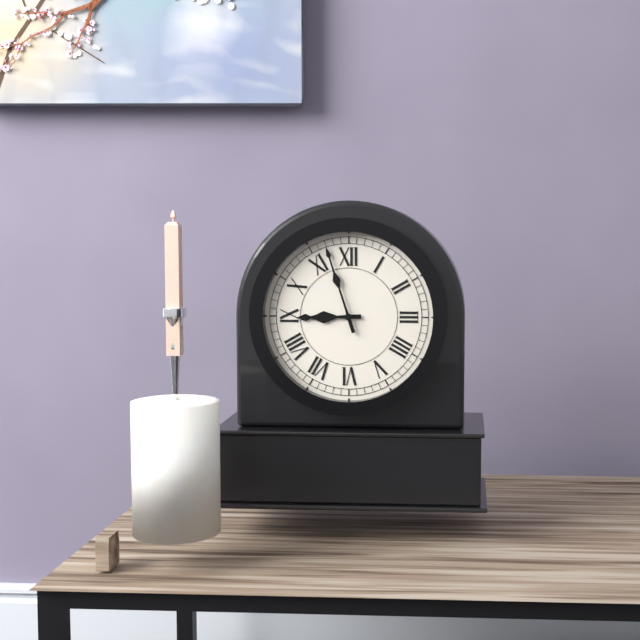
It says 8:57
